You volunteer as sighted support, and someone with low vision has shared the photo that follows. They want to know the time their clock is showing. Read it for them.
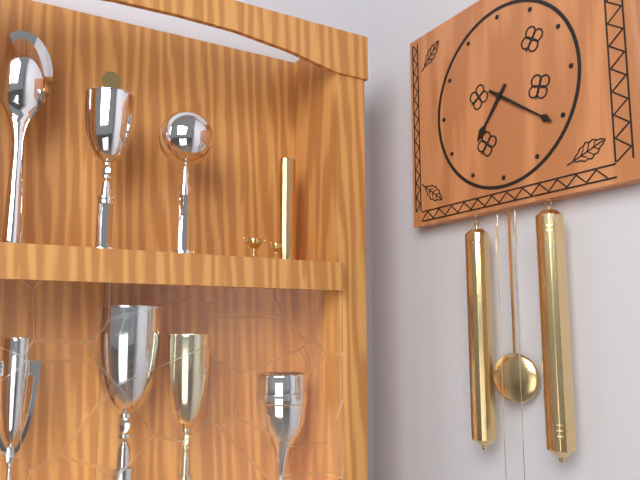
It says 7:21
